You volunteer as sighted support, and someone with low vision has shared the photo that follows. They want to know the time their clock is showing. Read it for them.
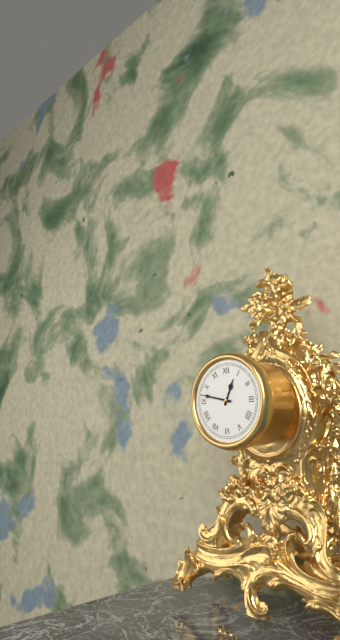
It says 12:47
